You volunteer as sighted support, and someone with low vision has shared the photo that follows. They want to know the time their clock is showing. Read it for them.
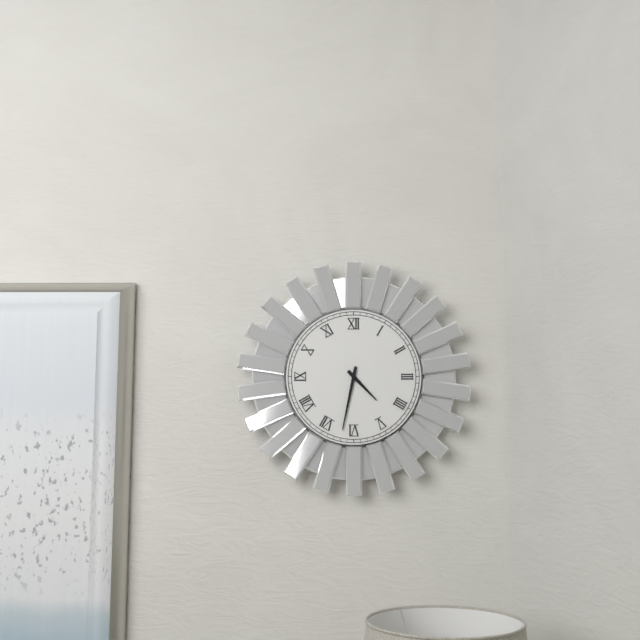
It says 4:32
